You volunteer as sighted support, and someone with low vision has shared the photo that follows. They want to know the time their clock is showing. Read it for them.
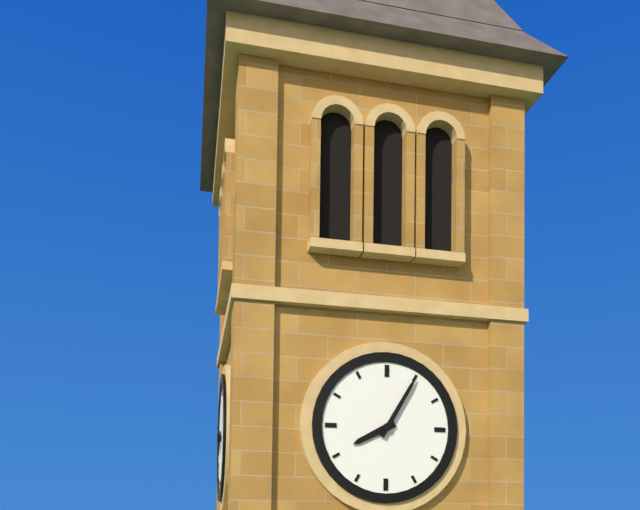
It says 8:05
